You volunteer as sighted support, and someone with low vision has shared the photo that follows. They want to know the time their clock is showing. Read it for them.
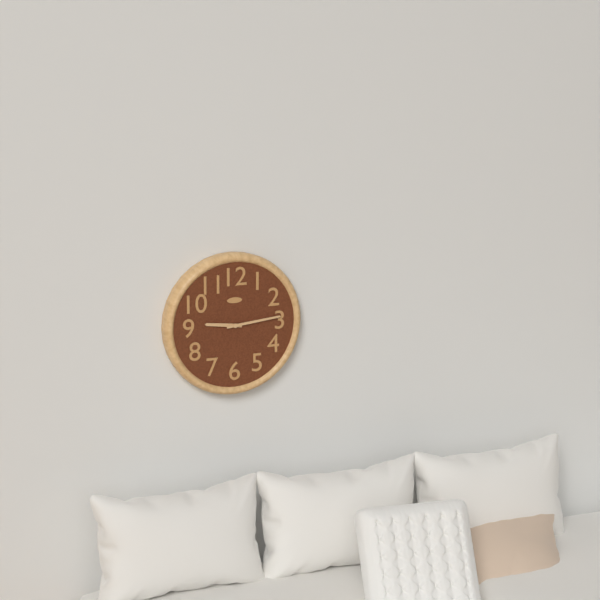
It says 9:14
